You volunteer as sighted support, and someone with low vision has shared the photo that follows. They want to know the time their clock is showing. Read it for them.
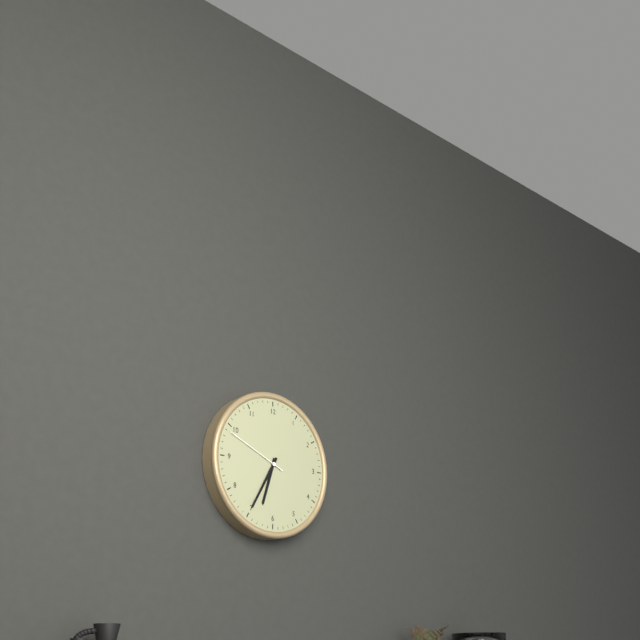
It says 6:35:49
